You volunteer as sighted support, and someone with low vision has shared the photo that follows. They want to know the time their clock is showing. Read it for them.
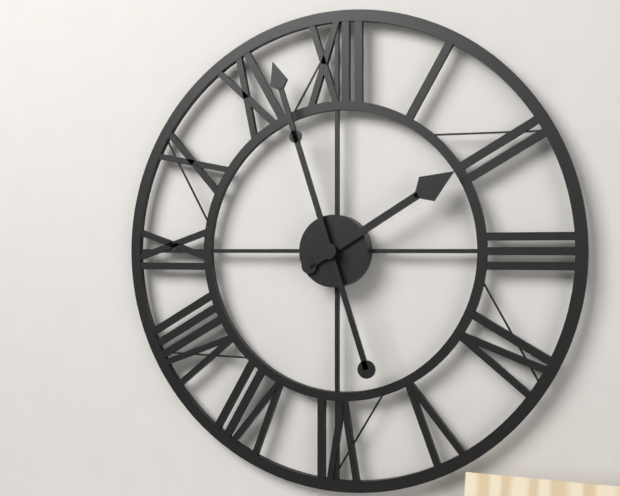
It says 1:57
